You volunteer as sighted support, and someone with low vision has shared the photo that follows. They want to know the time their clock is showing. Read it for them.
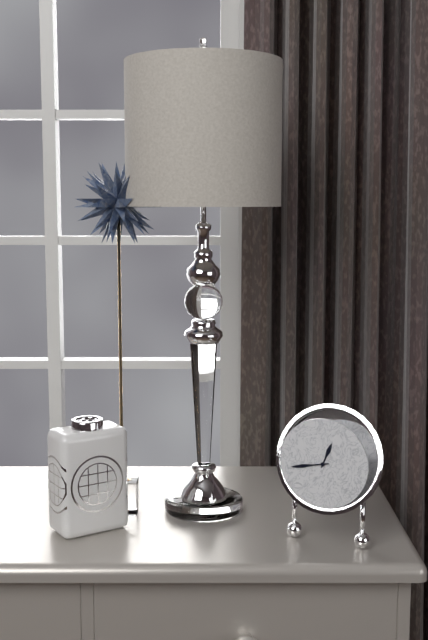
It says 12:43
